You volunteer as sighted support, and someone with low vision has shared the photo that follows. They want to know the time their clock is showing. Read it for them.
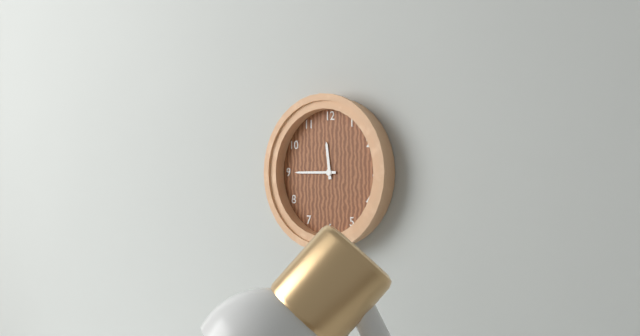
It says 11:45
